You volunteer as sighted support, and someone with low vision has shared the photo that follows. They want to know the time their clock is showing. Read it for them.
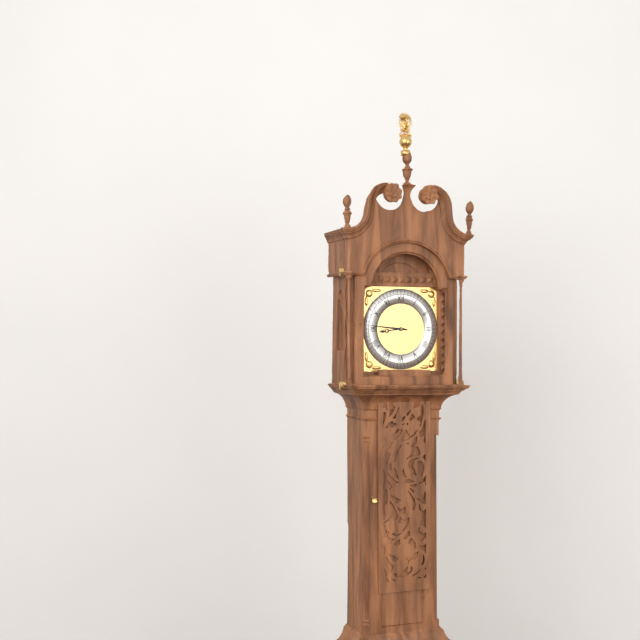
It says 8:46
